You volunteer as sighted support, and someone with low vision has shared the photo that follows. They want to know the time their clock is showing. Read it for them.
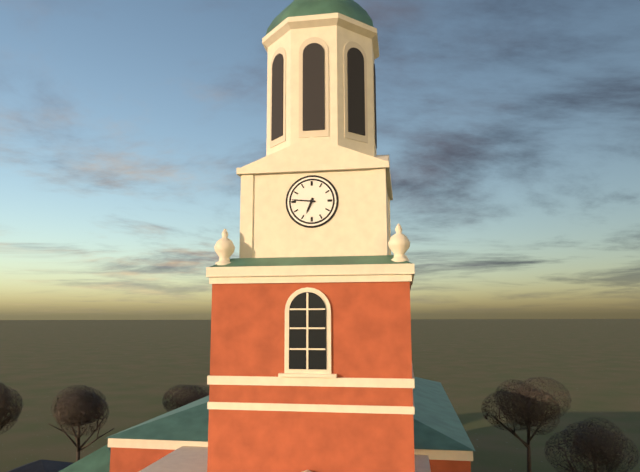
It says 6:46
